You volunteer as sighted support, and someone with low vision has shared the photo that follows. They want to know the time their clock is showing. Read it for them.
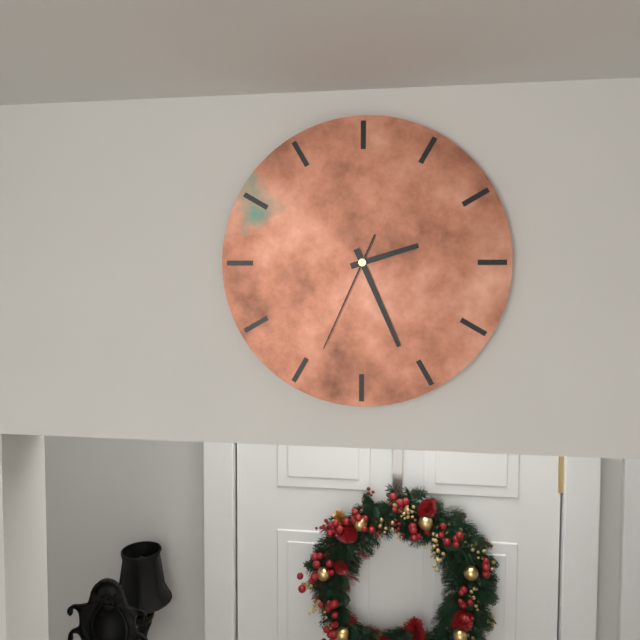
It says 2:26:34
